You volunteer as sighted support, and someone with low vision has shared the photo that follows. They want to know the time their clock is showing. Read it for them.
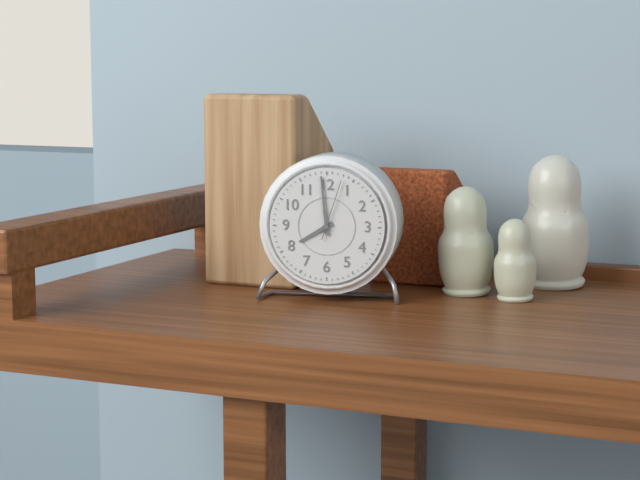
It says 7:59:03
